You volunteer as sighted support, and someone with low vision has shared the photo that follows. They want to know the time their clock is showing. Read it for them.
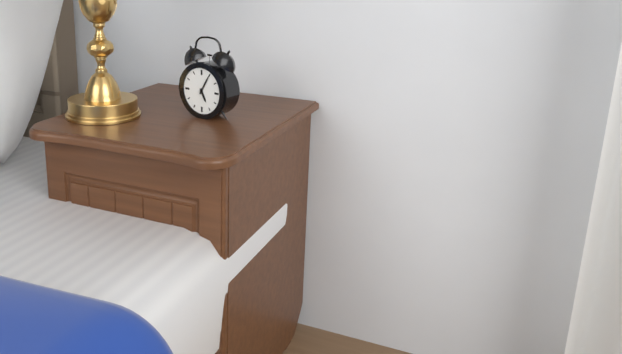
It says 5:05
